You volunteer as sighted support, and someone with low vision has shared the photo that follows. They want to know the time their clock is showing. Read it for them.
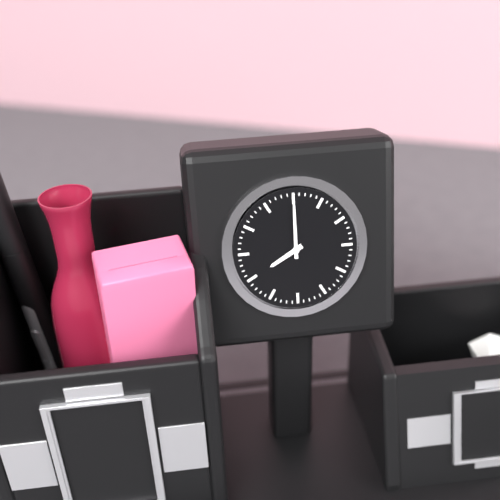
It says 8:00
